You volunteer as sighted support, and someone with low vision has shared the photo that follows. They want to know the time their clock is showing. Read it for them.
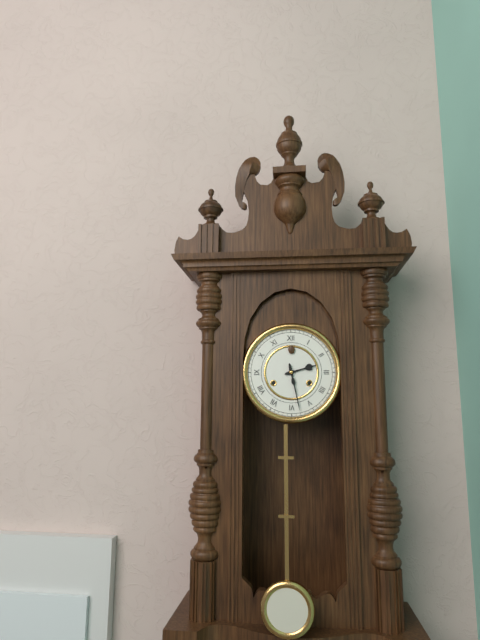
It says 2:28
